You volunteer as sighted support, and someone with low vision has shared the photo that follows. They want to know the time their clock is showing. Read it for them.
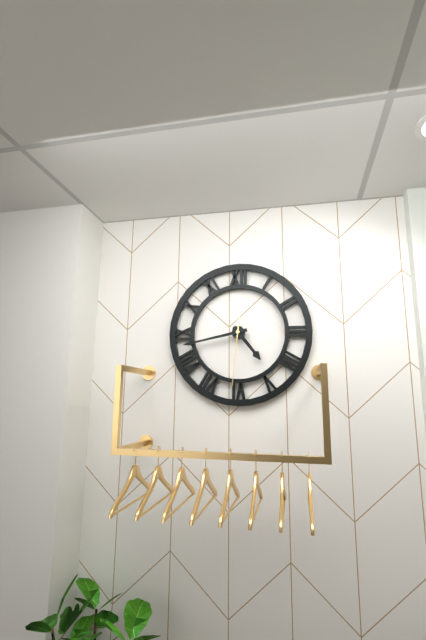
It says 4:43:31
